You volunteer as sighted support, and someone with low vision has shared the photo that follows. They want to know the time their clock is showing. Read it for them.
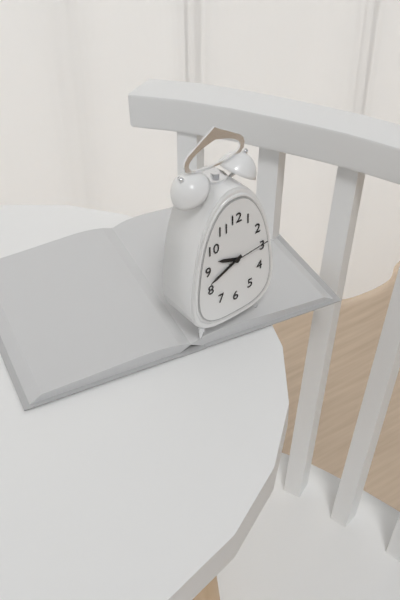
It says 9:41
